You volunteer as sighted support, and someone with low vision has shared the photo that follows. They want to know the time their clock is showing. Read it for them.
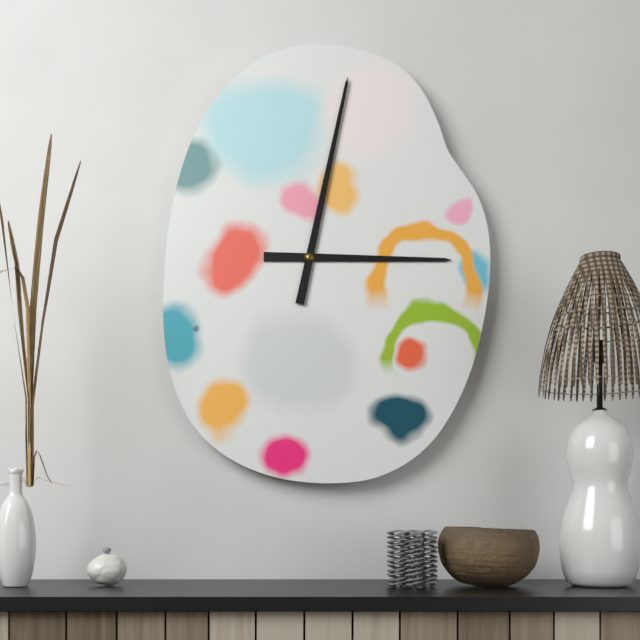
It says 3:02
